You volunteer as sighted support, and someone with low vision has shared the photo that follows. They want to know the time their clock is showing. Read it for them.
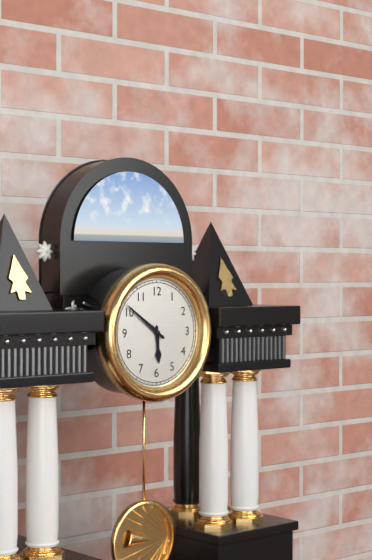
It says 5:51
